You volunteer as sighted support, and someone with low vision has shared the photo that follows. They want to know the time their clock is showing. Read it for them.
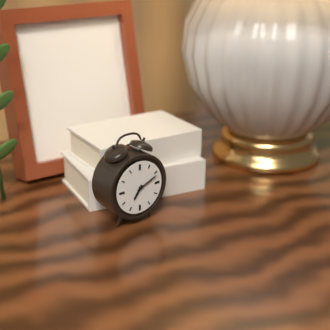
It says 7:11
